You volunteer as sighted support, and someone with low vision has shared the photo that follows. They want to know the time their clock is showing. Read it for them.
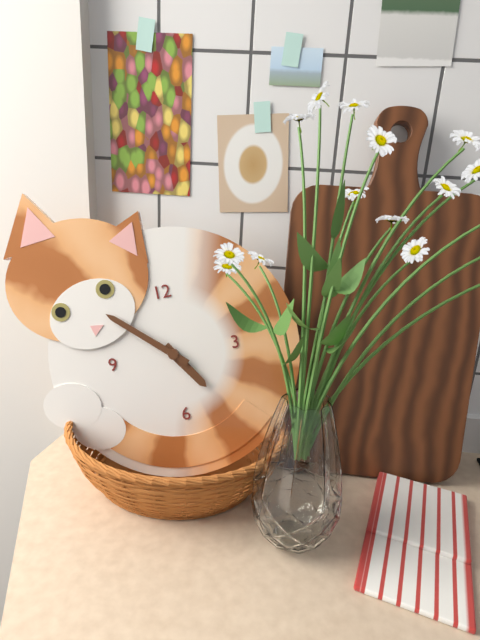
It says 4:52
